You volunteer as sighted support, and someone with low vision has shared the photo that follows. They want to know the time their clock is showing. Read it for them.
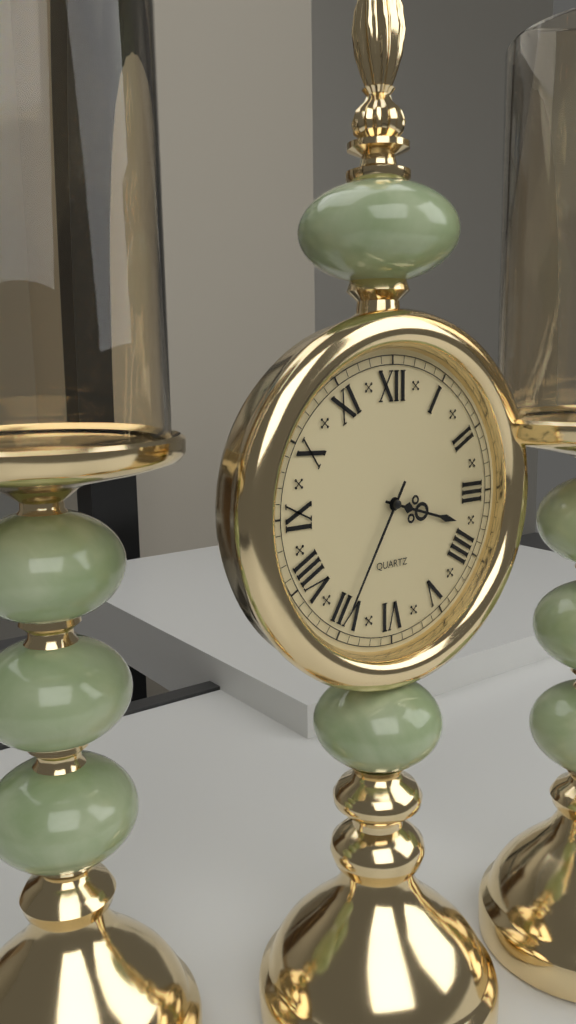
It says 3:35
